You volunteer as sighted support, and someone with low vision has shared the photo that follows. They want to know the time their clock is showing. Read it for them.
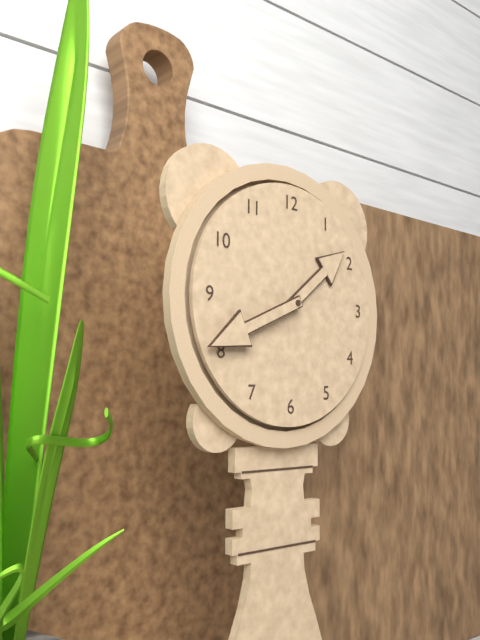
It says 1:41
